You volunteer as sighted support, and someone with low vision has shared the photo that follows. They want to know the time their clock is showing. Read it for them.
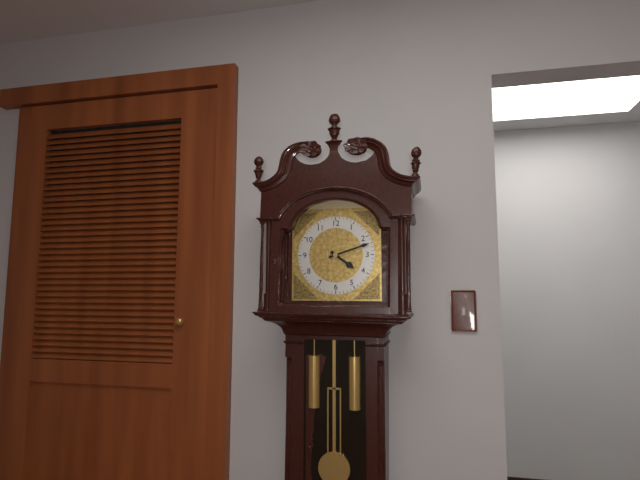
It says 4:12
